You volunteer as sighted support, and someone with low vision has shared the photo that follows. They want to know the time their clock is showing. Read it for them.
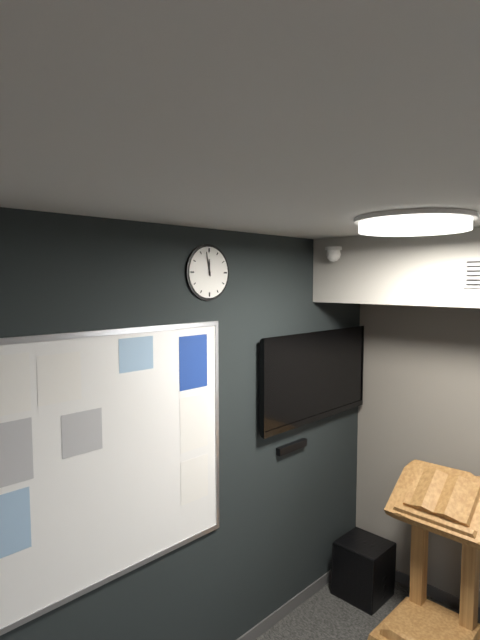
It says 11:58
